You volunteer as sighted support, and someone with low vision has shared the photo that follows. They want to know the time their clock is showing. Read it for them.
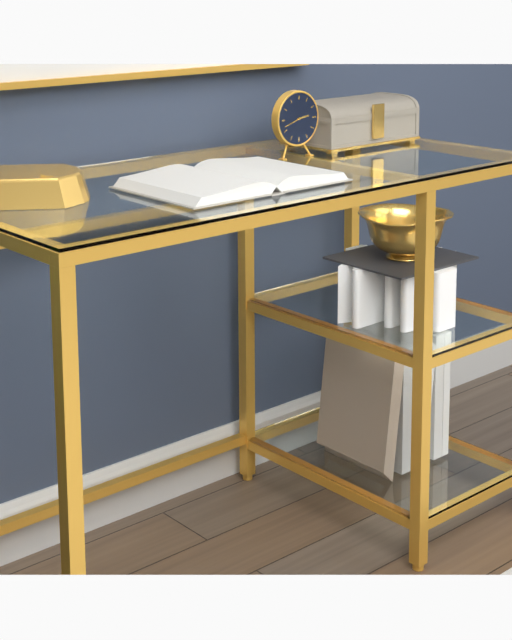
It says 2:42
